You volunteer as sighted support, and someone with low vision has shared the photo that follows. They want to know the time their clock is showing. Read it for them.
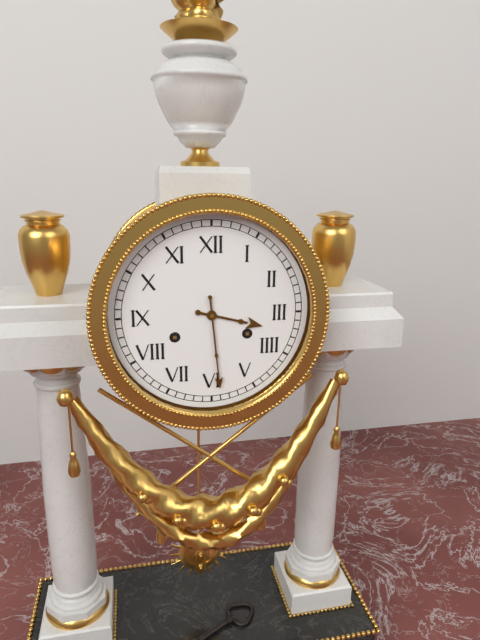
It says 3:29
